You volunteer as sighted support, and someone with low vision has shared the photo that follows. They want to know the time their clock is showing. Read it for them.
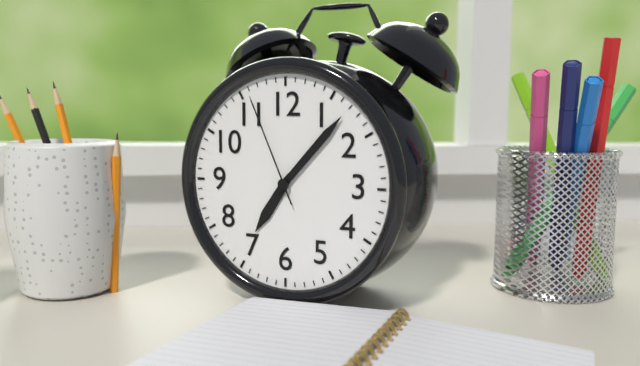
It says 7:07:56
